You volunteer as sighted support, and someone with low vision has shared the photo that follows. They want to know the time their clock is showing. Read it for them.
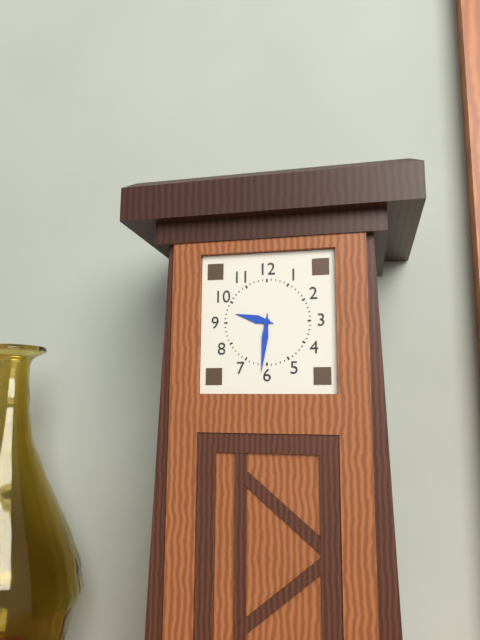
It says 9:31
